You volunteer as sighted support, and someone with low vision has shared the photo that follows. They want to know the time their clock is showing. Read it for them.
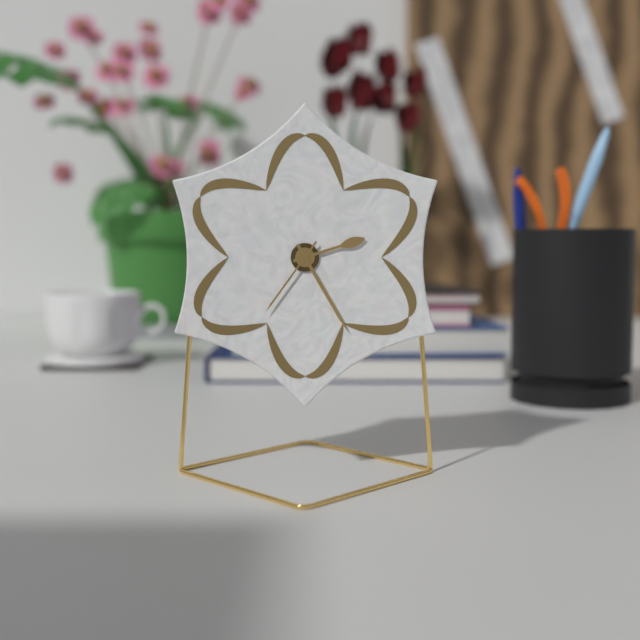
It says 2:25:36
